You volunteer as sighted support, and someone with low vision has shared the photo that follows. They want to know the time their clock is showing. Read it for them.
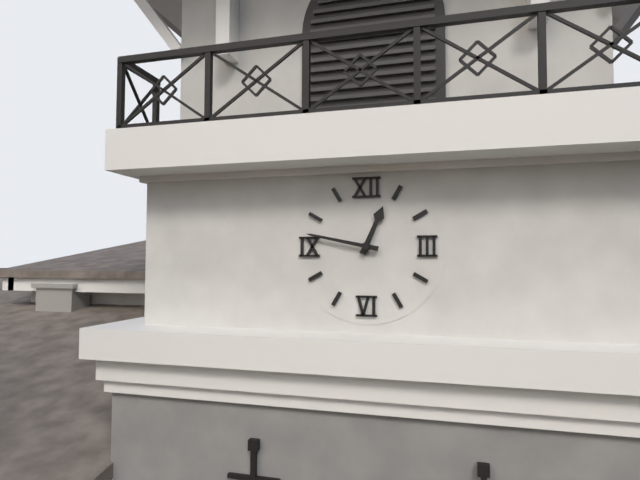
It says 12:47
